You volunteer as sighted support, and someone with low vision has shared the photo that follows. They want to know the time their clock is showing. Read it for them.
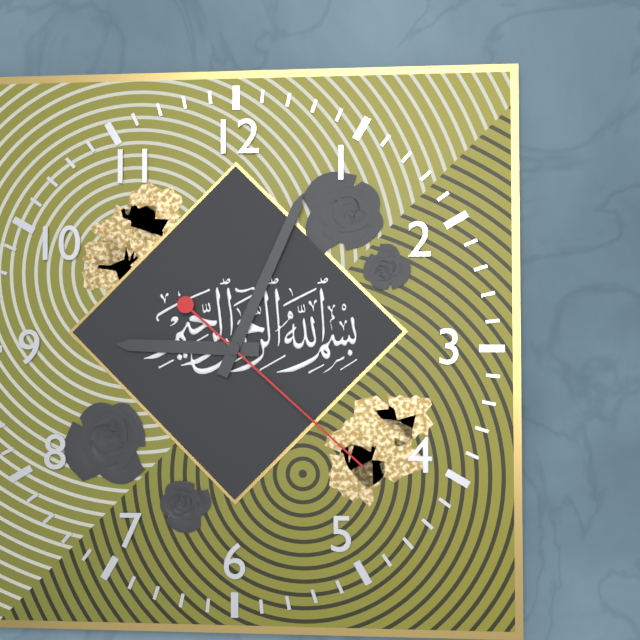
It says 9:04:22
